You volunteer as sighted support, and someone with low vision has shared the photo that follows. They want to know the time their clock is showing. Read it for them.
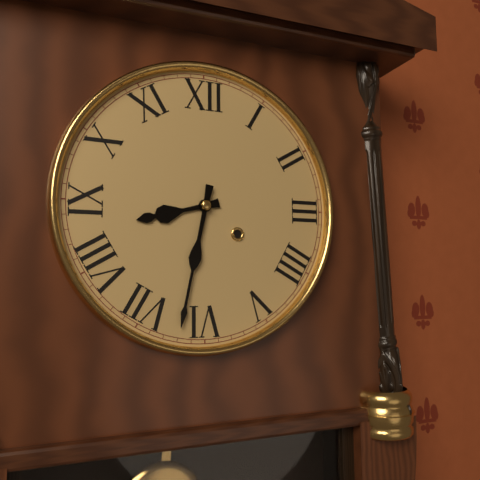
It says 8:32
